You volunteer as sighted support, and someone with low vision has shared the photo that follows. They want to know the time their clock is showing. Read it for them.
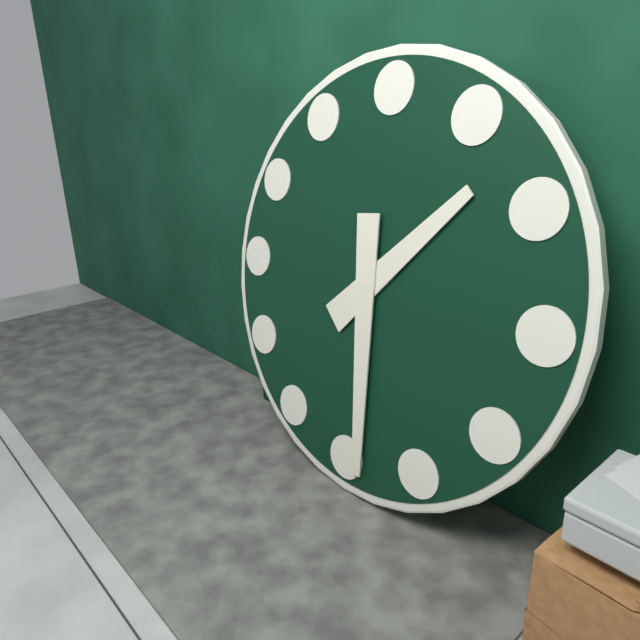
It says 1:29
